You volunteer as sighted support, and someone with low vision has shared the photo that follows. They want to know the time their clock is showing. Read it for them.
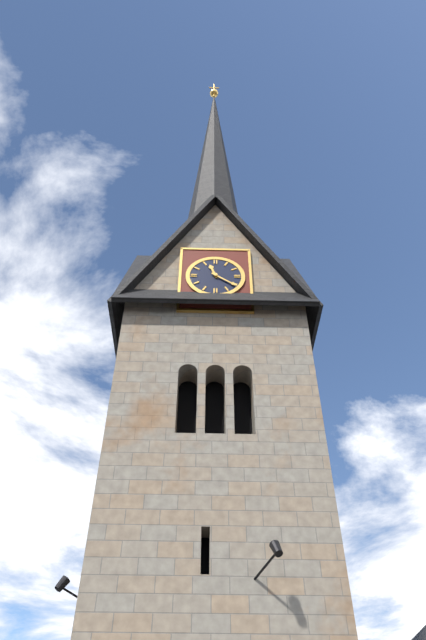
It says 11:21
